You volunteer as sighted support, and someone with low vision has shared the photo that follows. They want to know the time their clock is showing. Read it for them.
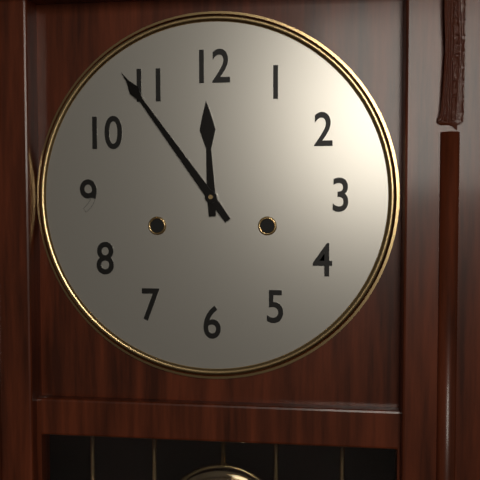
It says 11:54
